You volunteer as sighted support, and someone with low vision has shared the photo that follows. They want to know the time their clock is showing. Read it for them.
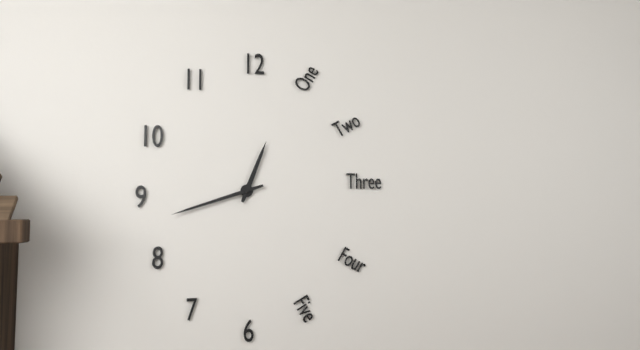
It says 12:42
